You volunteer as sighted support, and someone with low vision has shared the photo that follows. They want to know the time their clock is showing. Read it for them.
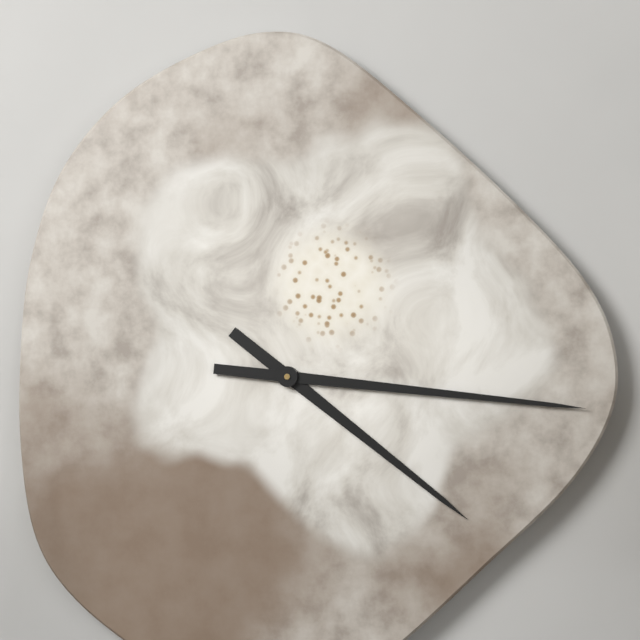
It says 4:16
